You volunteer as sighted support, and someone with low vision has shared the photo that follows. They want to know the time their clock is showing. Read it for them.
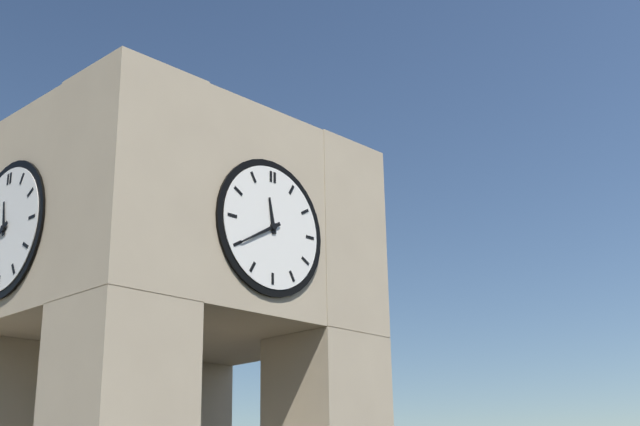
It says 11:40
